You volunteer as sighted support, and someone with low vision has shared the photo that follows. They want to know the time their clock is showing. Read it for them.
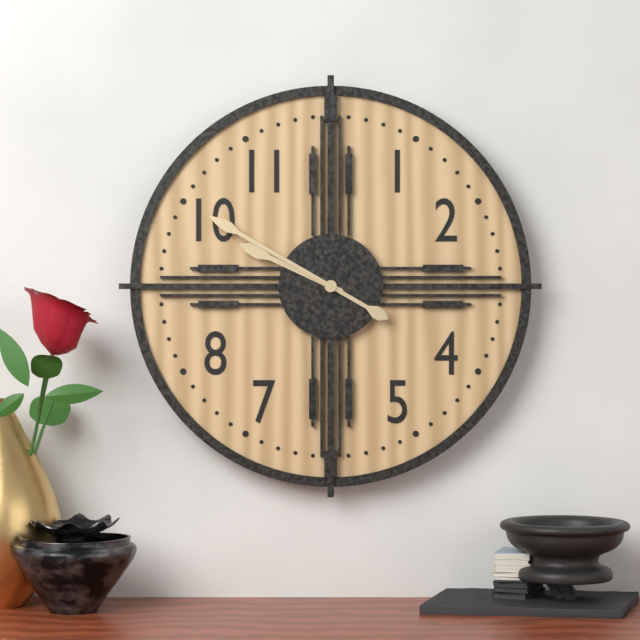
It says 9:50
